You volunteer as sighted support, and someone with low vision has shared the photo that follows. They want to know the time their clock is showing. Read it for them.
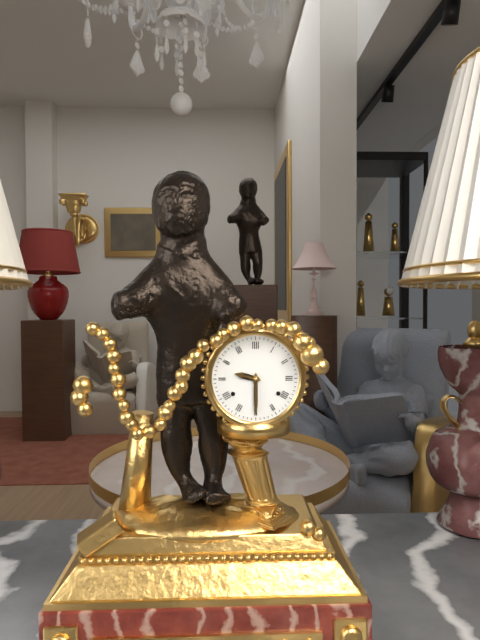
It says 9:30
